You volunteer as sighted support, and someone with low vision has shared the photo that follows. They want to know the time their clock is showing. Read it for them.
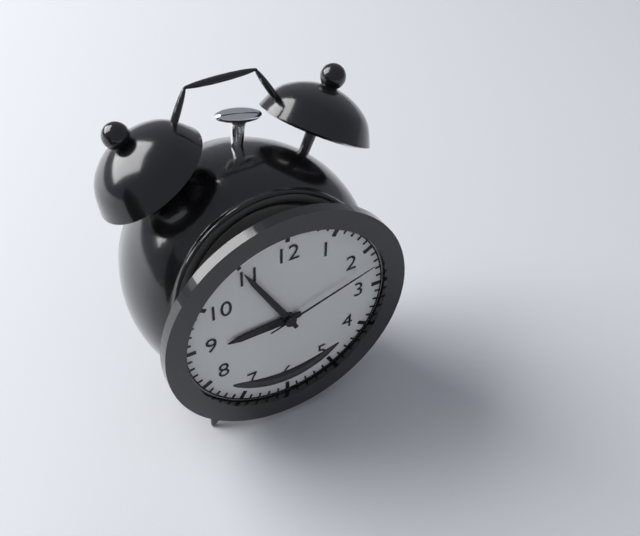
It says 8:55:12
